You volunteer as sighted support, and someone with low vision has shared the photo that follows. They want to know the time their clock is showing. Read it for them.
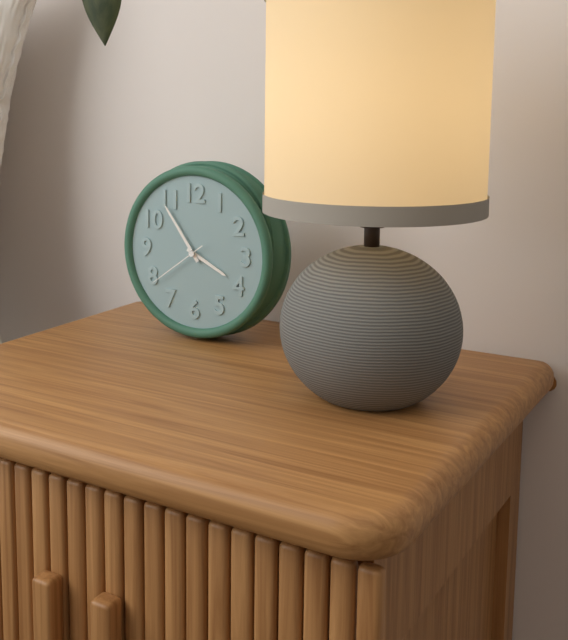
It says 3:54:39
